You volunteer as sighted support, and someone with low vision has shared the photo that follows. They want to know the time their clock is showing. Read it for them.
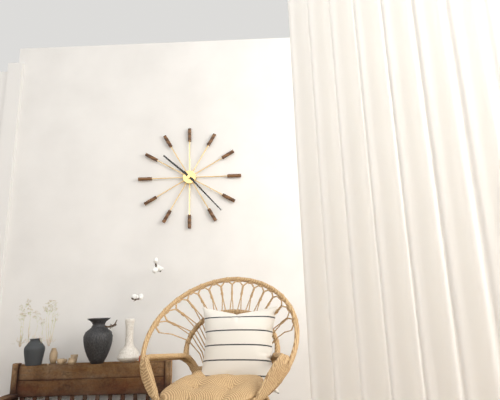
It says 10:23
